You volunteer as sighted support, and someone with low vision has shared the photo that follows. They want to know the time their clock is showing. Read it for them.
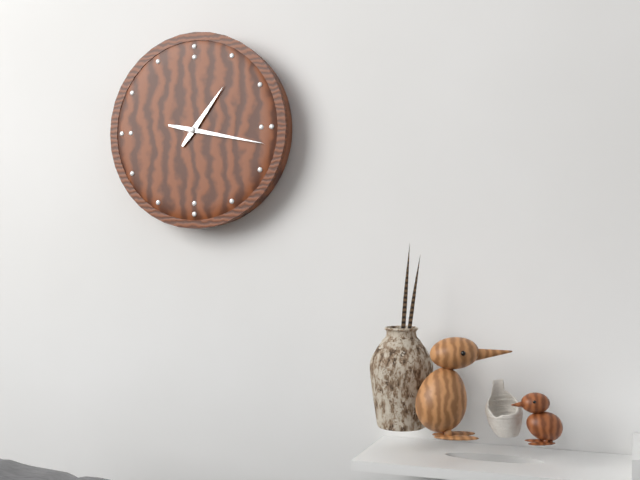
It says 1:17
